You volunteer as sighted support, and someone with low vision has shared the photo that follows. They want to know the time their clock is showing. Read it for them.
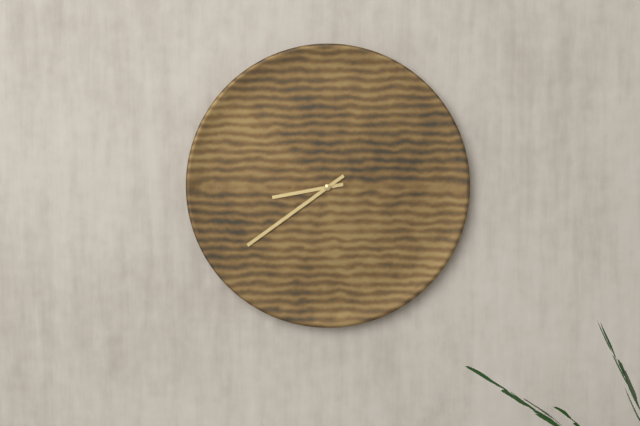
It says 8:39
